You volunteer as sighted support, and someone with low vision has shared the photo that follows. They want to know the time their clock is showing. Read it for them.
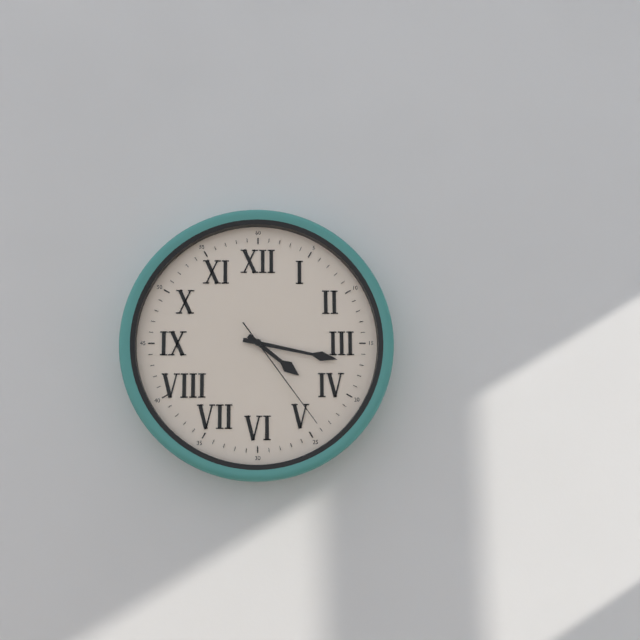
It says 4:17:24
